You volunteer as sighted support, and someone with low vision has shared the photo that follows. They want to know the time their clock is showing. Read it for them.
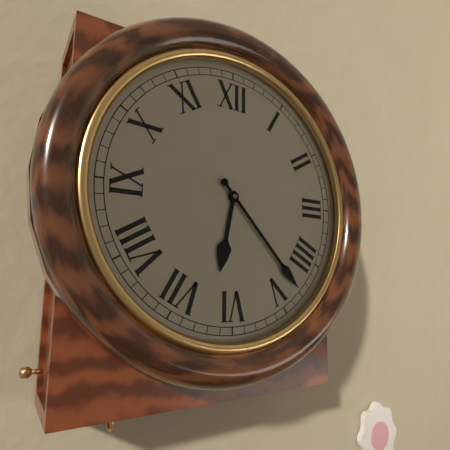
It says 6:23
